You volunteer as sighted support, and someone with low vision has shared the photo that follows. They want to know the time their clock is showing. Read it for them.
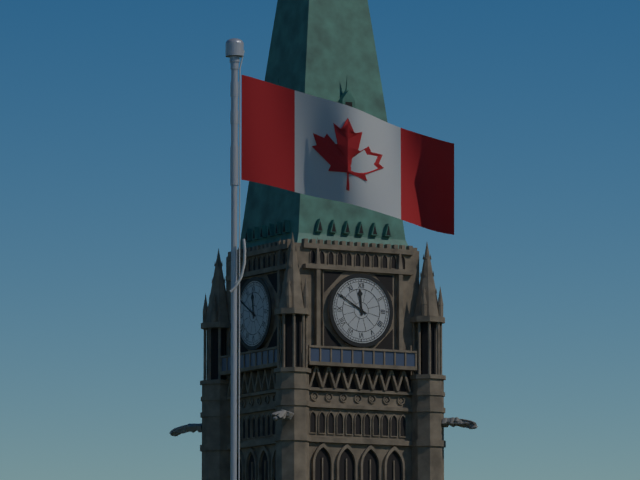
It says 11:50
